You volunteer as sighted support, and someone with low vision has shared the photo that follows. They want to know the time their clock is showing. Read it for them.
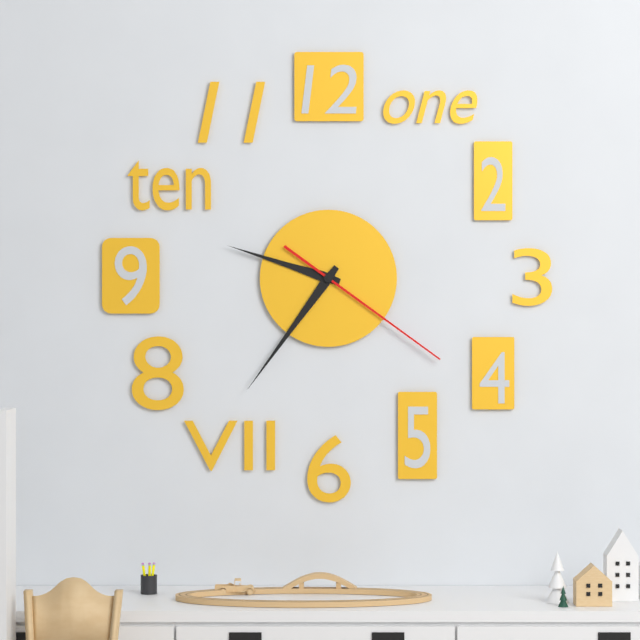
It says 9:36:21
